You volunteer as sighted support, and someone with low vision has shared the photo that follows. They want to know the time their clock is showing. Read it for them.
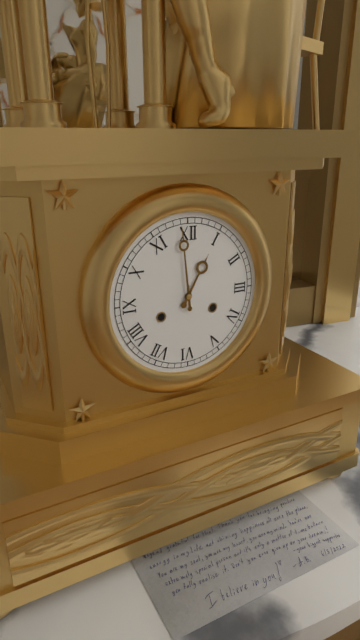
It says 12:59
